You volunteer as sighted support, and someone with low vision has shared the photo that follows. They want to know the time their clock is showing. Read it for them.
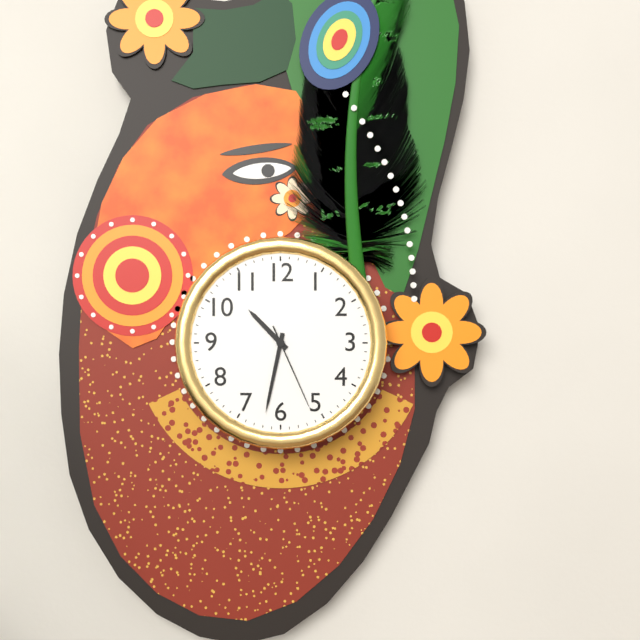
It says 10:32:26
